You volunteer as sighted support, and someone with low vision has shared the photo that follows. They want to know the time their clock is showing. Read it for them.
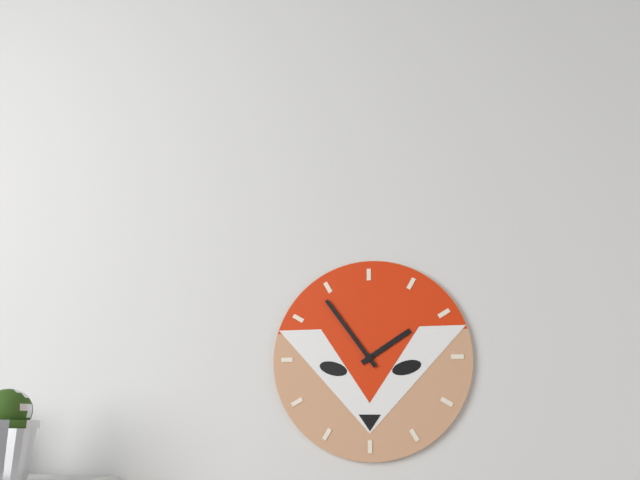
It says 1:54
